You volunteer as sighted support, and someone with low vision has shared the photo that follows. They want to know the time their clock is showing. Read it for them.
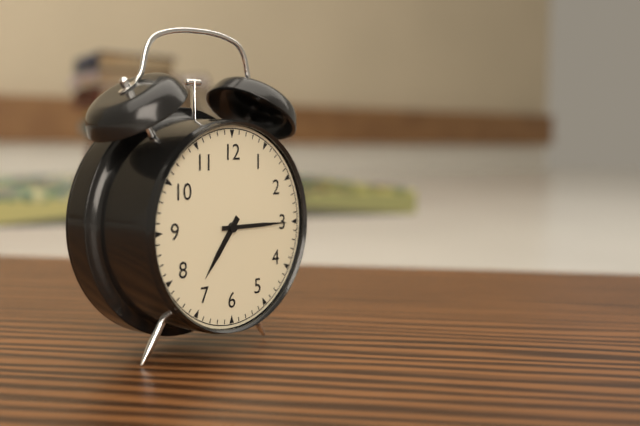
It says 7:15
